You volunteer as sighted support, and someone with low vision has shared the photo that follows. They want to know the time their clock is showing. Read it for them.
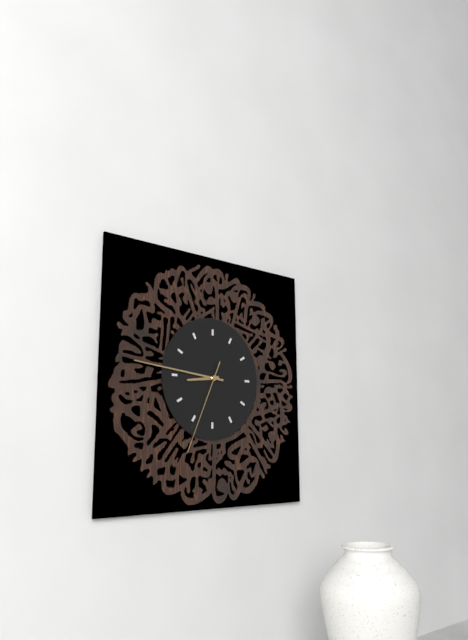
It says 8:46:34
